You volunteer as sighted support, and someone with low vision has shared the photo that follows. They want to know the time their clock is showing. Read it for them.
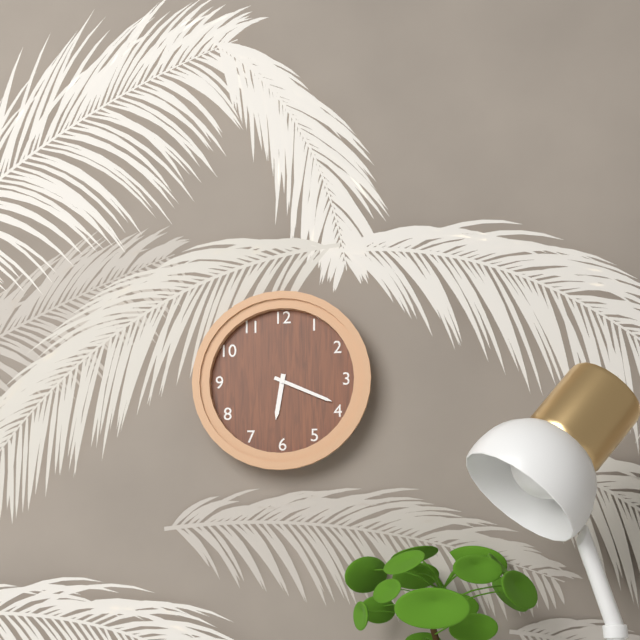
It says 6:19
